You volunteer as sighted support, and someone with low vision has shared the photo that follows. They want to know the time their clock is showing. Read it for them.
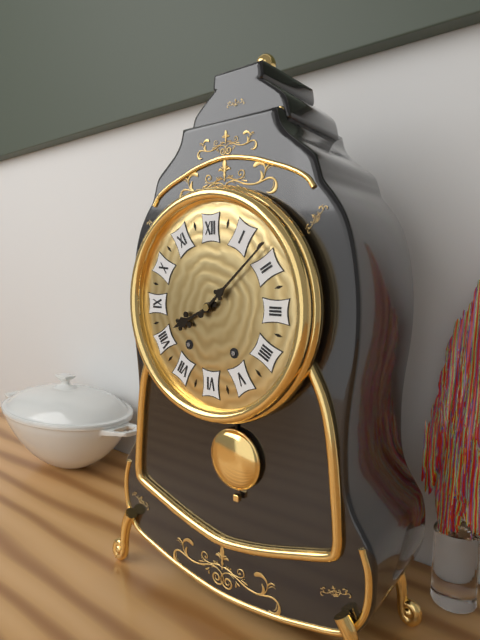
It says 8:08
